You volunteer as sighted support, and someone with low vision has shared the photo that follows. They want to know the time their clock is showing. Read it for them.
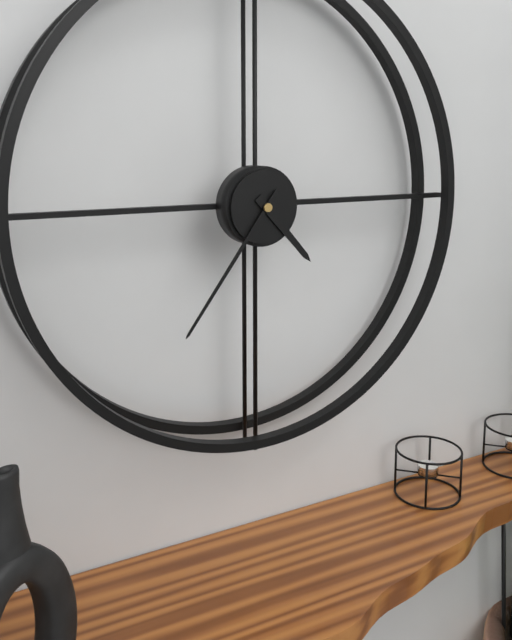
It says 4:36
